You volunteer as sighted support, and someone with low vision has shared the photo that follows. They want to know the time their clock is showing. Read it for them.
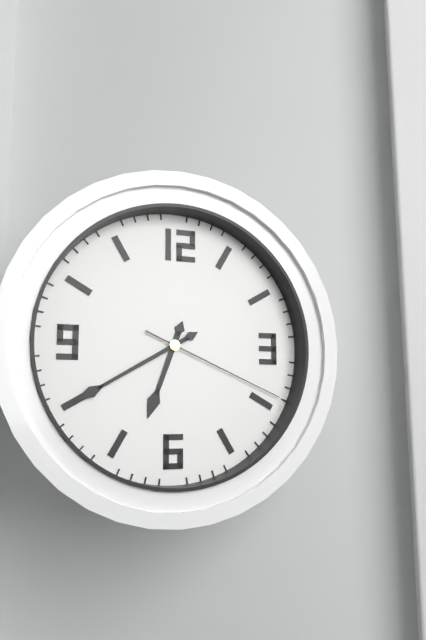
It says 6:40:19
